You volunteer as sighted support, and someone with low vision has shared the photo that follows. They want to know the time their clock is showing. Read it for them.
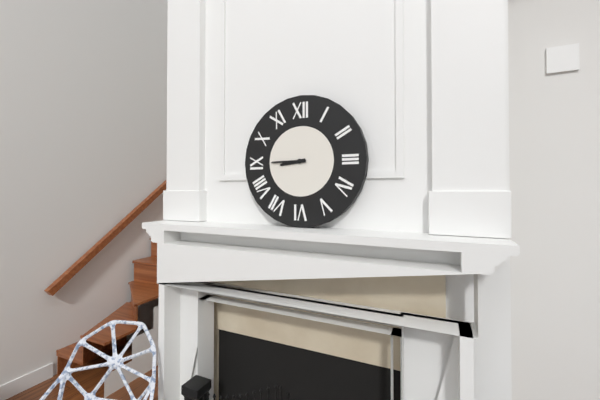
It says 8:45
